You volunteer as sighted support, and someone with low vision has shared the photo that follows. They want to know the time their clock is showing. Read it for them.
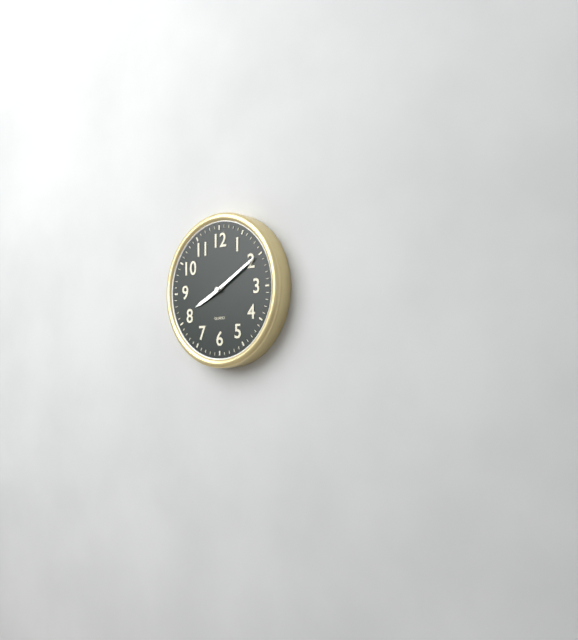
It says 8:10
